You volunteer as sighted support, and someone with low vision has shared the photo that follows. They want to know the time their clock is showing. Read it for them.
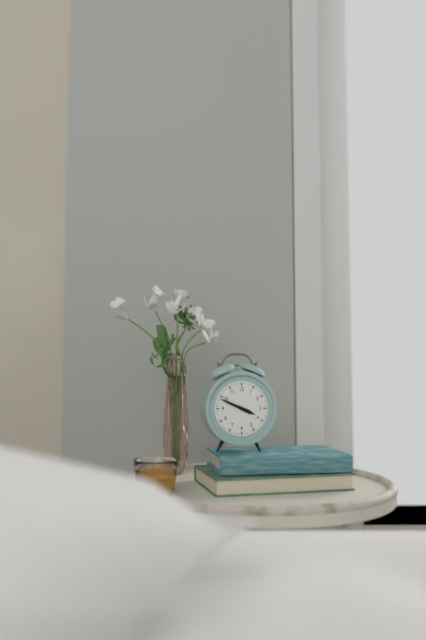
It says 3:49
